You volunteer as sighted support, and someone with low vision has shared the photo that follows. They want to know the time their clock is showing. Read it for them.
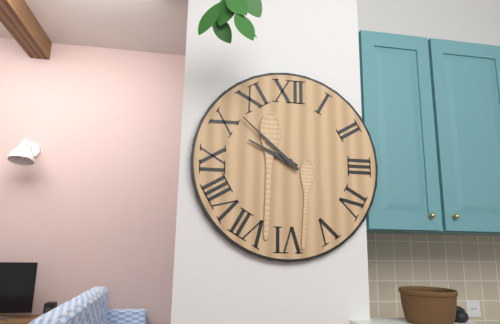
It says 9:52
